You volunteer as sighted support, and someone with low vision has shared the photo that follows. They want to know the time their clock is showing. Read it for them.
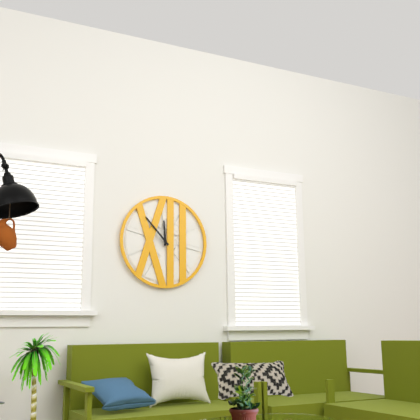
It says 11:53
